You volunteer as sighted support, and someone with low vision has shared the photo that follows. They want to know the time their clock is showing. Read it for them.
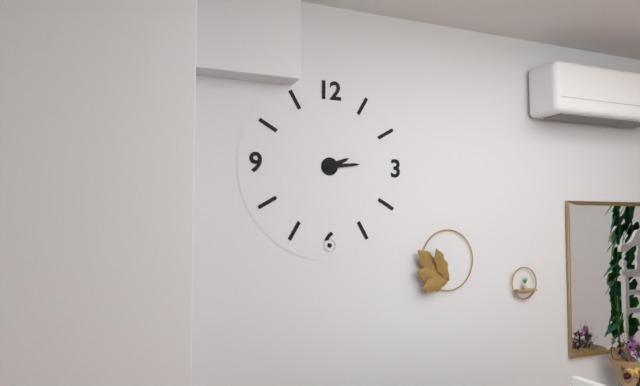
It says 2:14
